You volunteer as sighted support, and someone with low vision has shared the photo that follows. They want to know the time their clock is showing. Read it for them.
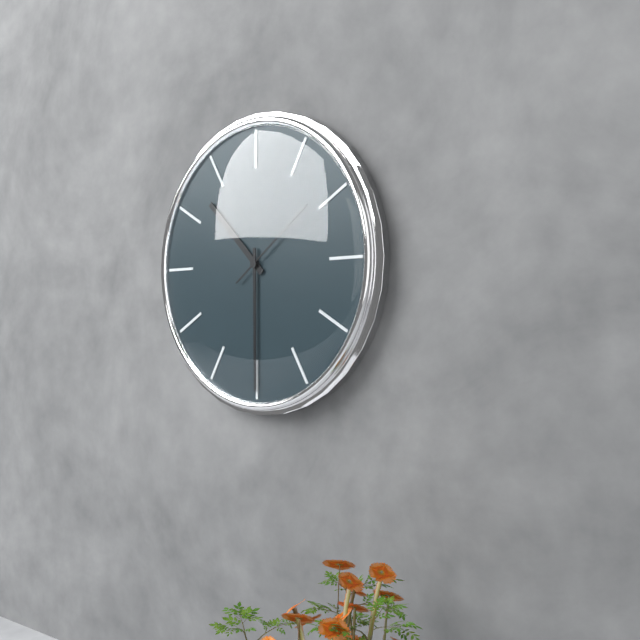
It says 10:30:09
